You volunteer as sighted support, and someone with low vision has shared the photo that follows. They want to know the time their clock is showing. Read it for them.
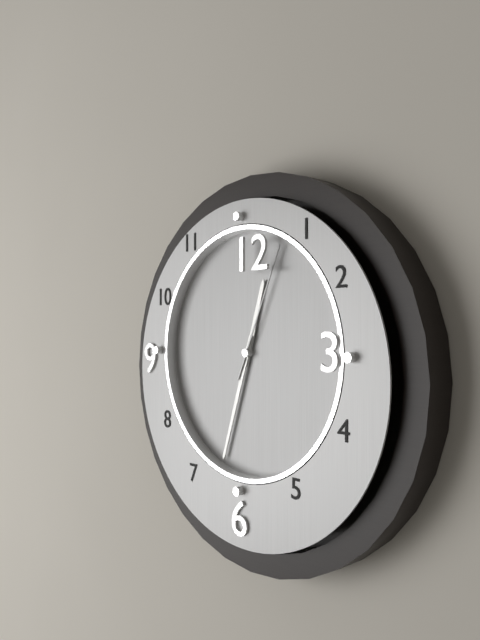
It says 12:33:04
